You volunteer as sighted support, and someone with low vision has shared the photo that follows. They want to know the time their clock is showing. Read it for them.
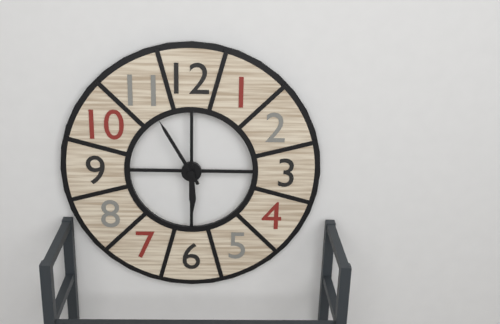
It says 5:55
